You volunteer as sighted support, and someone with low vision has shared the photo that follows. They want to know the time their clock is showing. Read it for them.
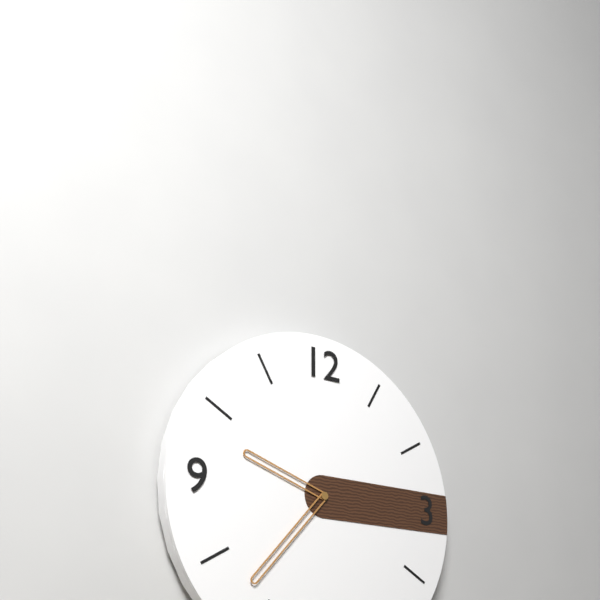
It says 9:37
